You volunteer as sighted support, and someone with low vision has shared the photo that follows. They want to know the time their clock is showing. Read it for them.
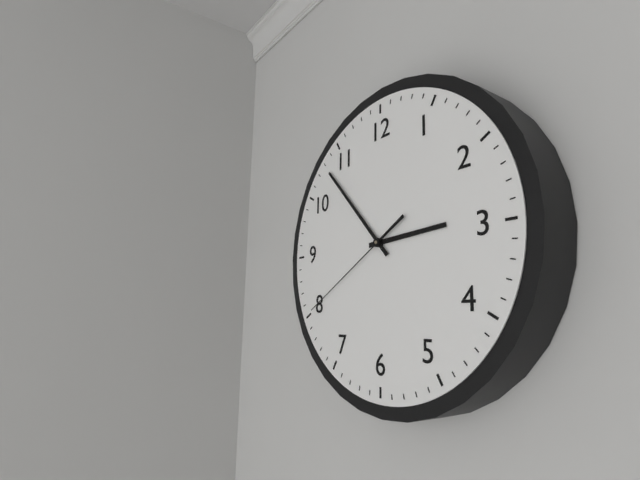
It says 2:53:40
